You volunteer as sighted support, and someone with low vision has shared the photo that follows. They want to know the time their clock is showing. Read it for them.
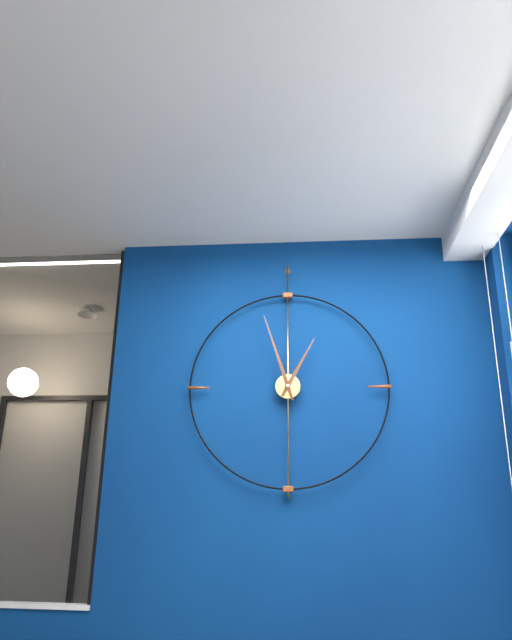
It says 12:57
